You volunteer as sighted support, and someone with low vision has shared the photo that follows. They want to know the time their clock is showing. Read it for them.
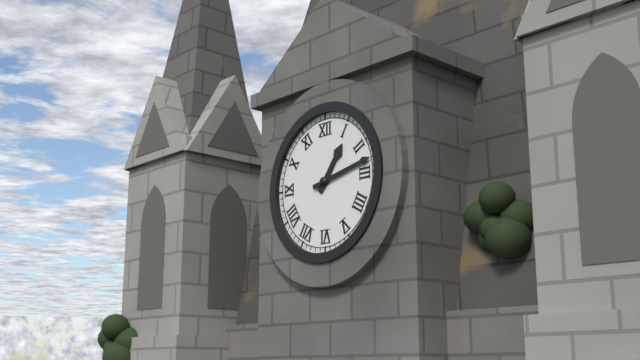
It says 1:13
